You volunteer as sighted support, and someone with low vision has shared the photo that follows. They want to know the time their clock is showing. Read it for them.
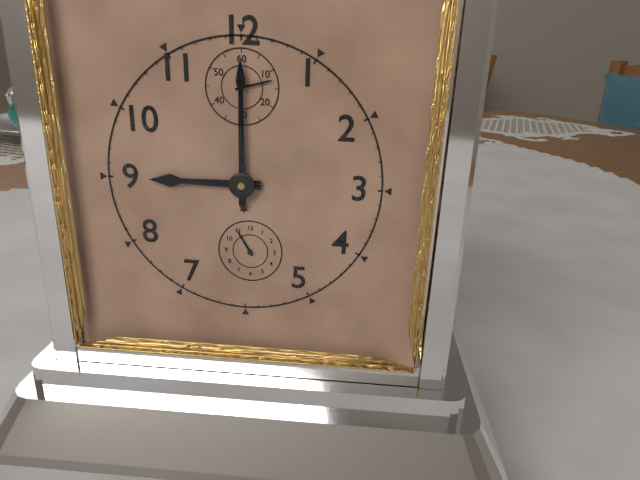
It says 9:00
